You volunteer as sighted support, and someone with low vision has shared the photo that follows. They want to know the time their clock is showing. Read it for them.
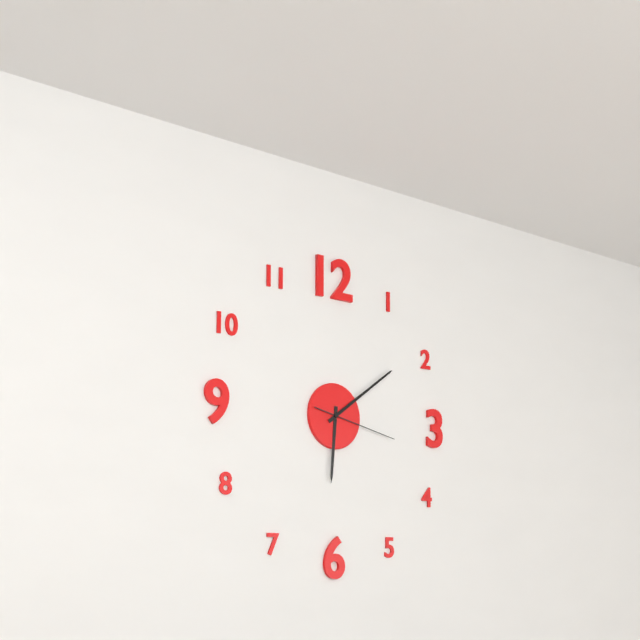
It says 6:09:17
